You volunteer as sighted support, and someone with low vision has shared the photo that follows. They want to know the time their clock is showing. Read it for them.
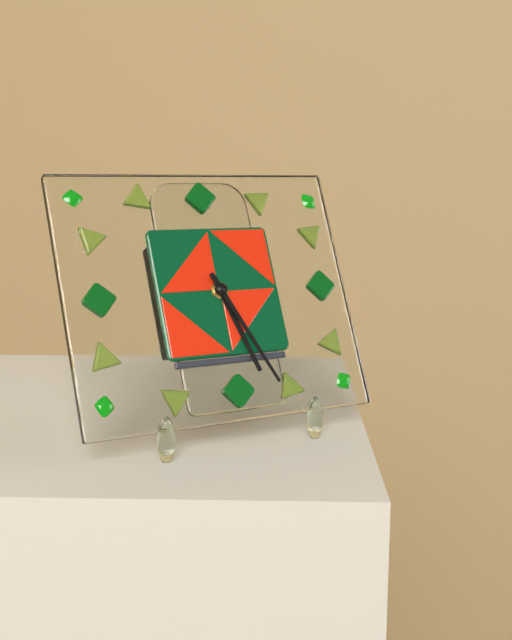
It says 5:26
